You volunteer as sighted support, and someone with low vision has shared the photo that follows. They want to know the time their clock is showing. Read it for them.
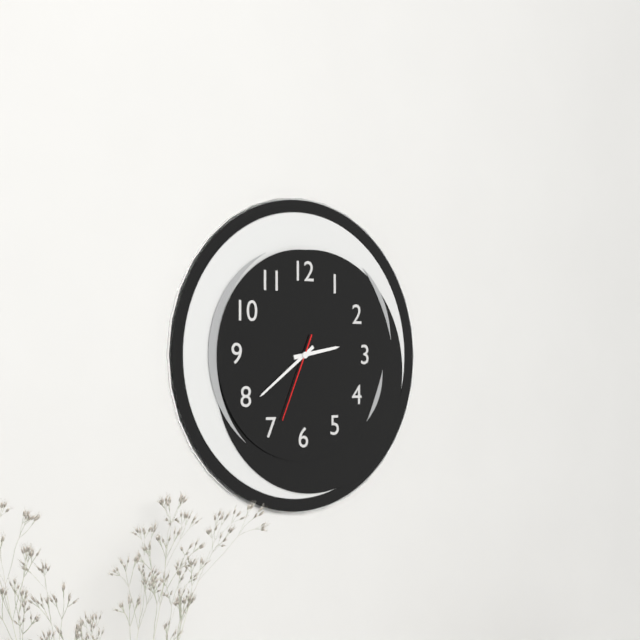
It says 2:39:34
